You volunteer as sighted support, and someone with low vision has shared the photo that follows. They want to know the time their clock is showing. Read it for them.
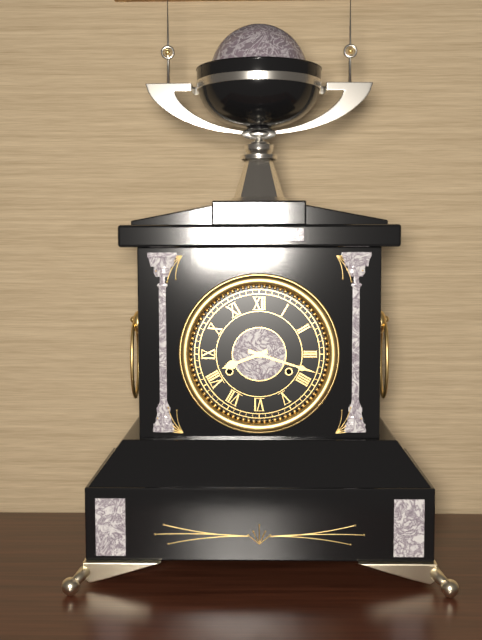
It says 8:18
